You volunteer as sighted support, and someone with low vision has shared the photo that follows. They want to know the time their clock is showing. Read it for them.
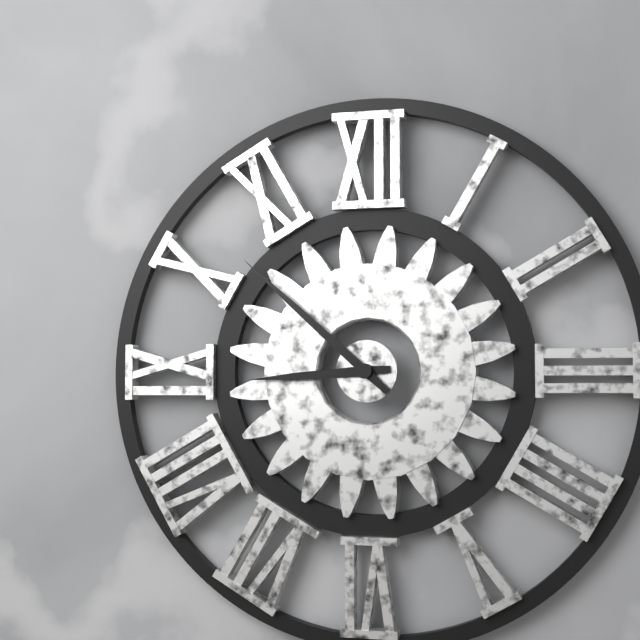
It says 8:52
